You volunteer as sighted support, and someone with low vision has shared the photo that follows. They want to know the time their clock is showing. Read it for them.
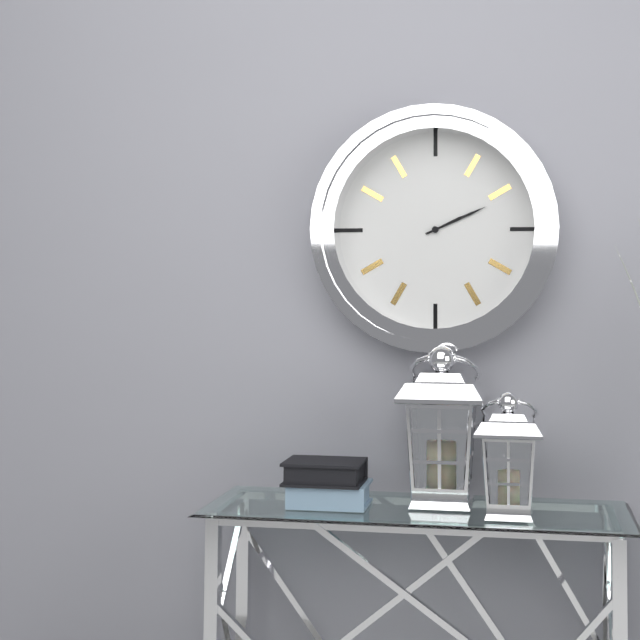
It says 2:11
